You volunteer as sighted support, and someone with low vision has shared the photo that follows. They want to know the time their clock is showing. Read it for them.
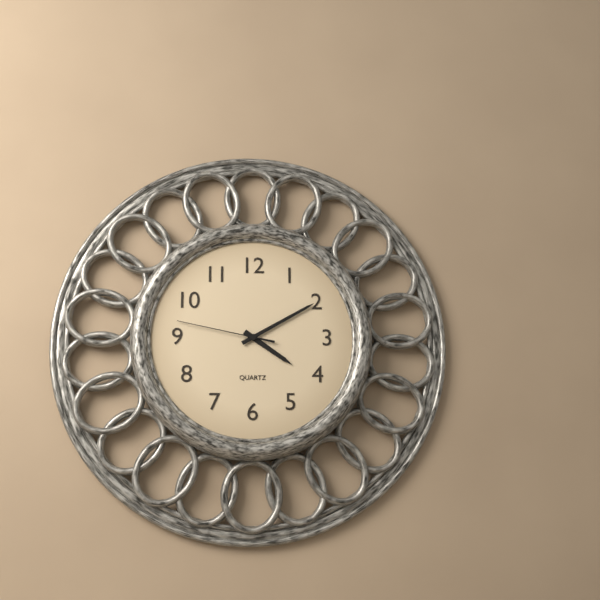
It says 4:10:47
